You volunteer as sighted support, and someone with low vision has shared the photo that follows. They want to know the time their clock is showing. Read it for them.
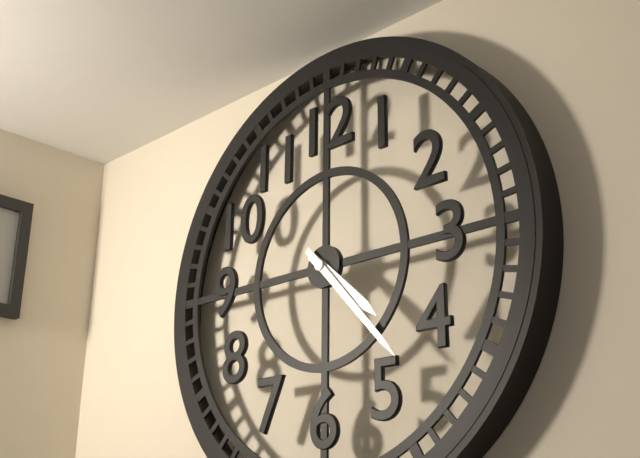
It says 4:23
